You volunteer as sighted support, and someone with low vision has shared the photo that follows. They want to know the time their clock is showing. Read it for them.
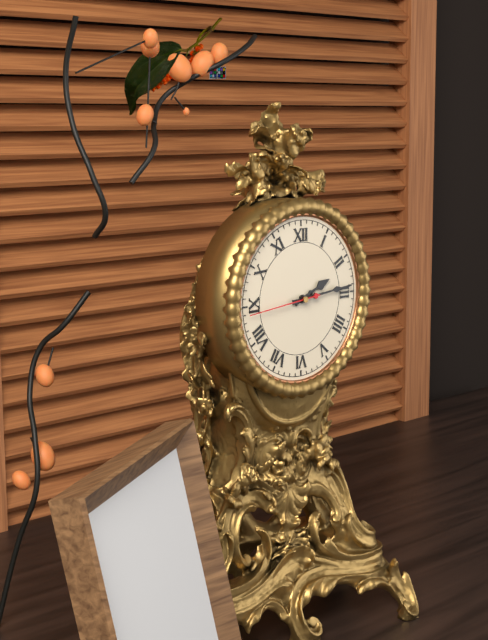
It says 2:14:44
